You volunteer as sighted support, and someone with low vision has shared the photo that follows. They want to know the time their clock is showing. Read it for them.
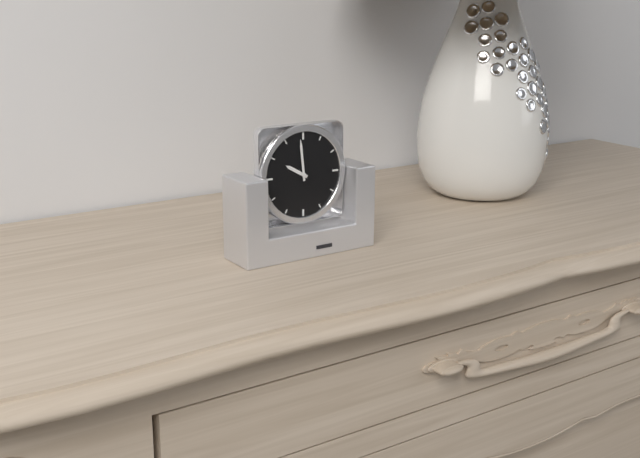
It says 9:59
